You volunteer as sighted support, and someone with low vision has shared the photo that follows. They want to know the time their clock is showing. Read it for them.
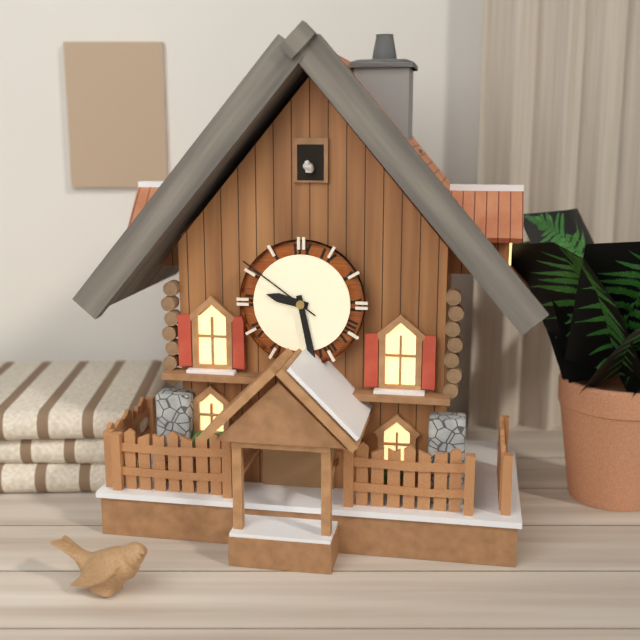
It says 9:28:51
